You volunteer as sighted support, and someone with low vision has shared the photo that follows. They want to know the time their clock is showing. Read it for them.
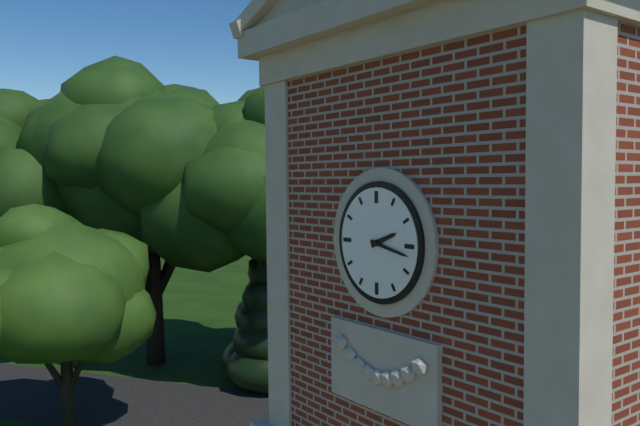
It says 2:17
